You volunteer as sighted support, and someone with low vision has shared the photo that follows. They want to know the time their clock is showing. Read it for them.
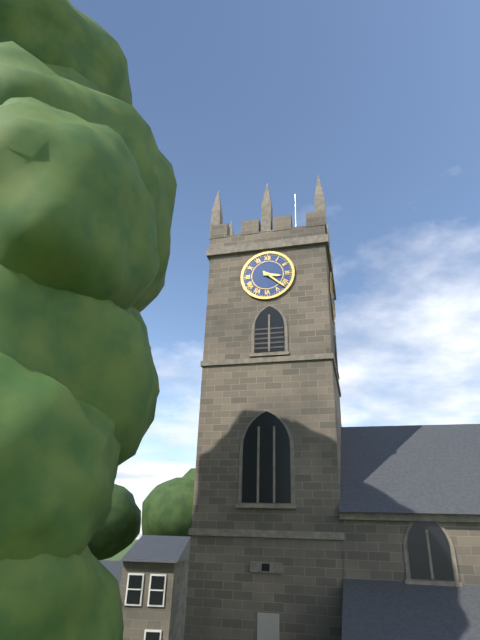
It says 3:22
